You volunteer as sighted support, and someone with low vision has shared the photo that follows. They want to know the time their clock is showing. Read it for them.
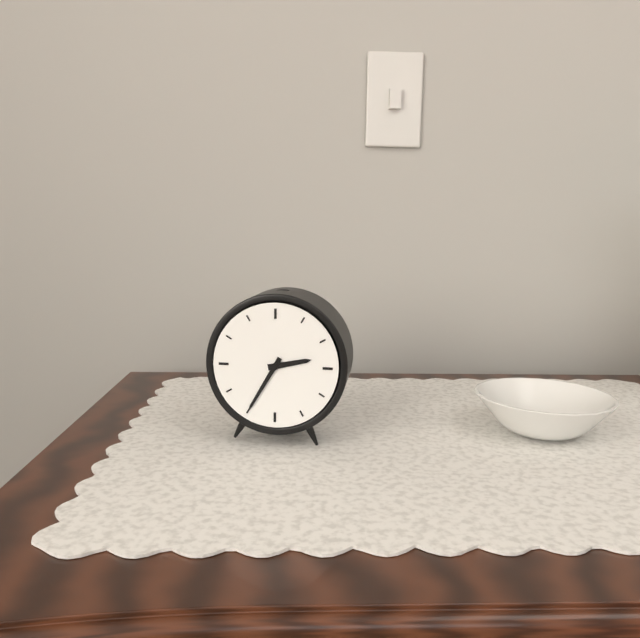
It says 2:35
